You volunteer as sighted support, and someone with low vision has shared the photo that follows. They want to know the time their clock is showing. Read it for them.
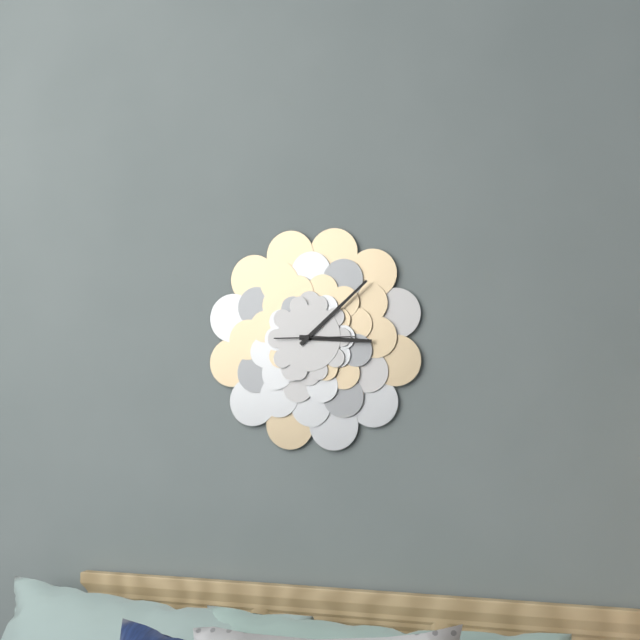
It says 3:08:15
